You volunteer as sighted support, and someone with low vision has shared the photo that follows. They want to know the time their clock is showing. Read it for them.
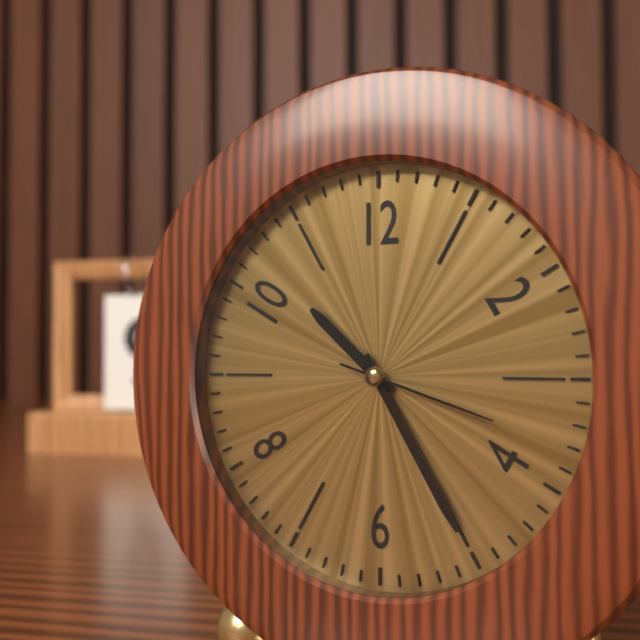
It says 10:25:18
